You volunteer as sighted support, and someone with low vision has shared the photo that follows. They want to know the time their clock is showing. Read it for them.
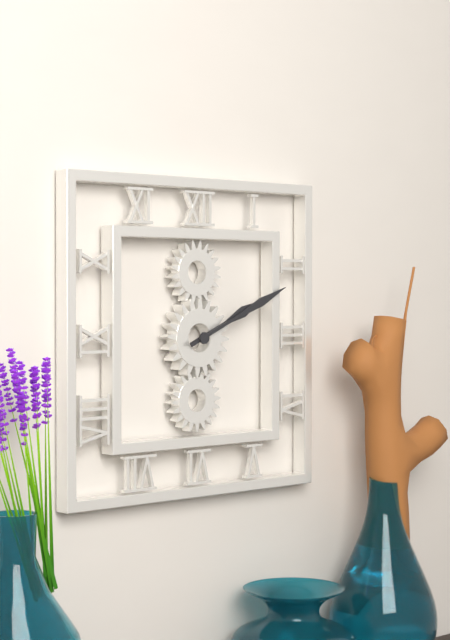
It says 2:11
